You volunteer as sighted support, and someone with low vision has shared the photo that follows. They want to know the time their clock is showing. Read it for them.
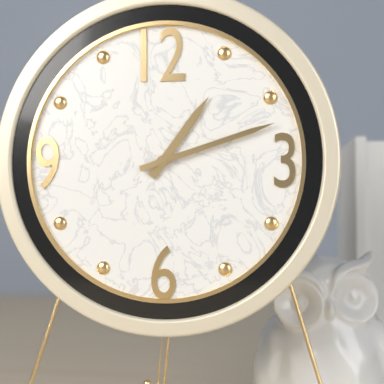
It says 1:12
